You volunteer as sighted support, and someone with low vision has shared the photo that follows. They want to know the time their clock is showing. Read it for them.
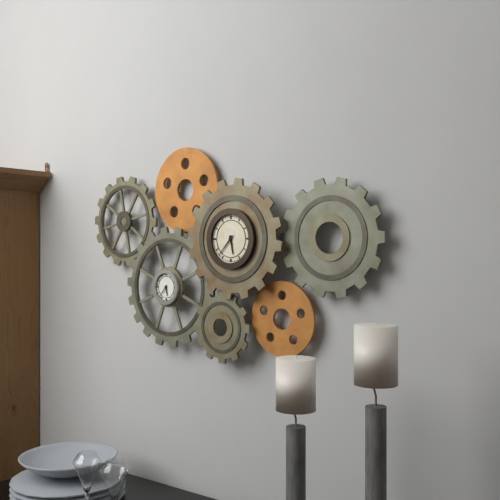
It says 5:37
